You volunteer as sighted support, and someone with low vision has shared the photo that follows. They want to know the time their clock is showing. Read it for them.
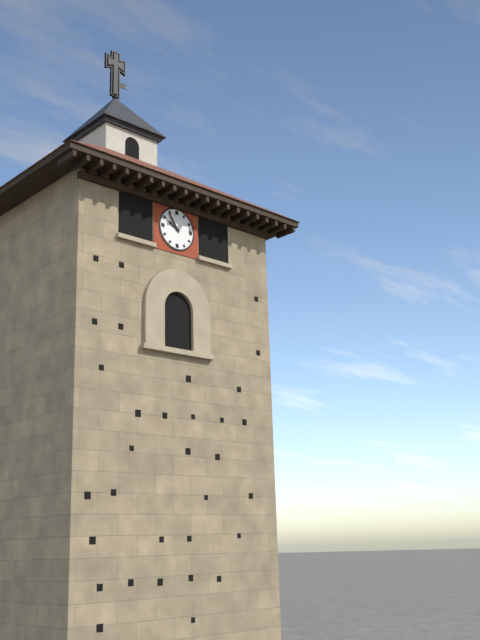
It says 9:54
